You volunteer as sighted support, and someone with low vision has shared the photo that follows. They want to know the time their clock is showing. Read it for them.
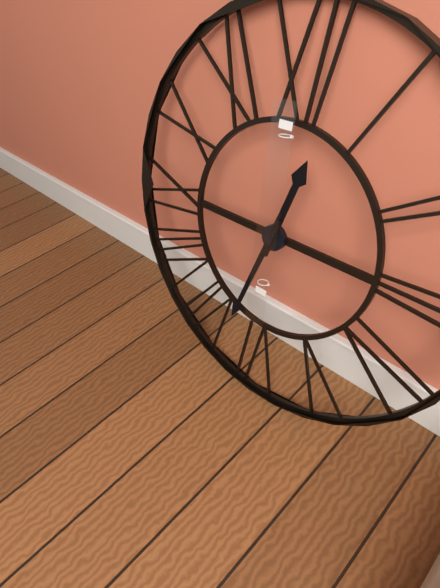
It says 12:33
